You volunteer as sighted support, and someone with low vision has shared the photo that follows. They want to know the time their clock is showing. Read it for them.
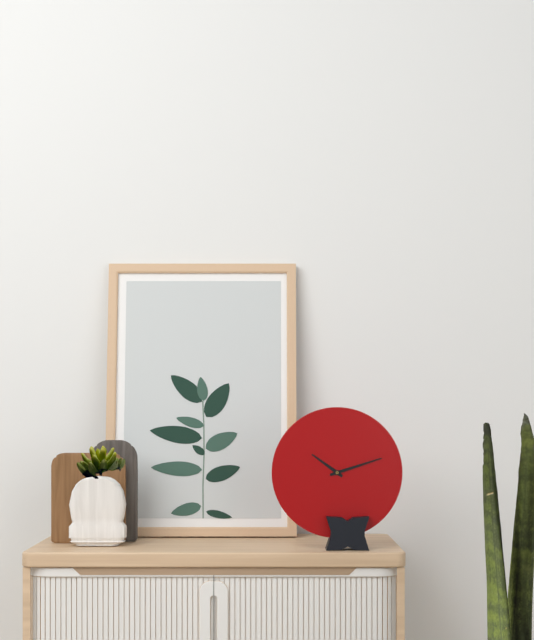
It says 10:12
